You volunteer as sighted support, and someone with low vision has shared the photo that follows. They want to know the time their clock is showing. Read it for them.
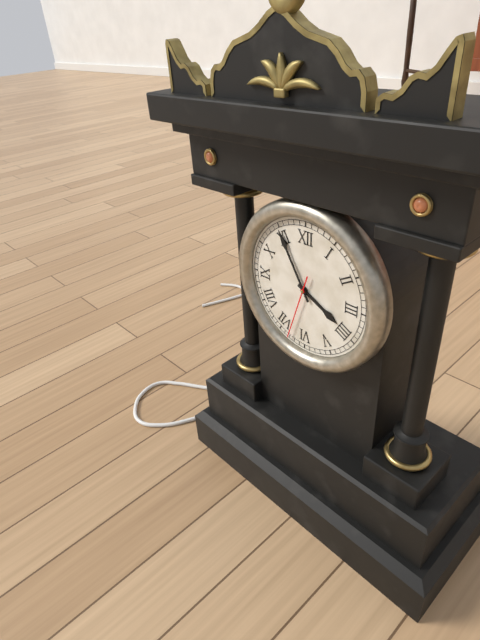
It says 3:55:33
